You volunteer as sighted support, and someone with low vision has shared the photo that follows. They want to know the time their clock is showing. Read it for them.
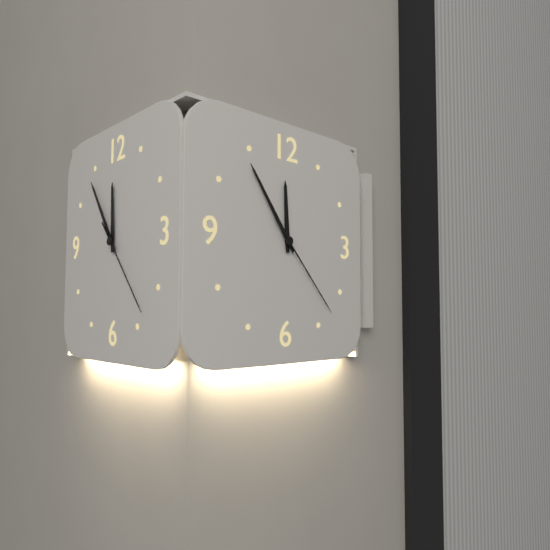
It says 11:54:23
